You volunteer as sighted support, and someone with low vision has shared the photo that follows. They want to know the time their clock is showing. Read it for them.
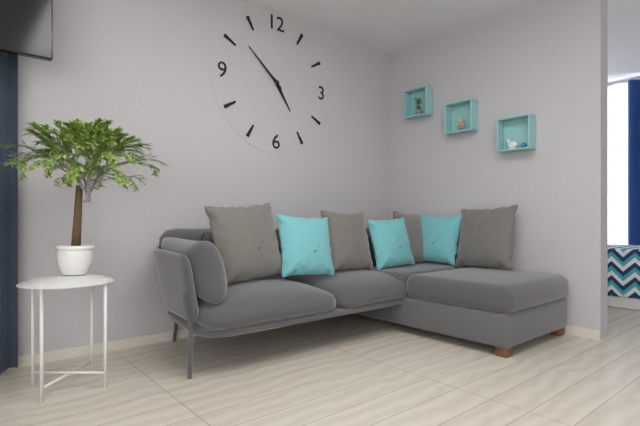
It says 4:52
